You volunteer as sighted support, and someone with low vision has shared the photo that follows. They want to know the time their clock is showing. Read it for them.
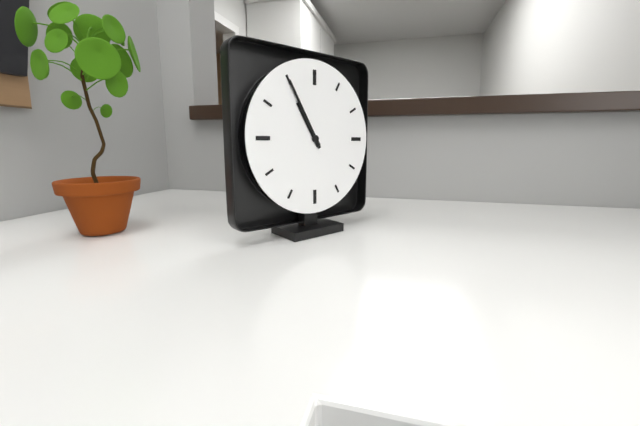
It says 10:55
